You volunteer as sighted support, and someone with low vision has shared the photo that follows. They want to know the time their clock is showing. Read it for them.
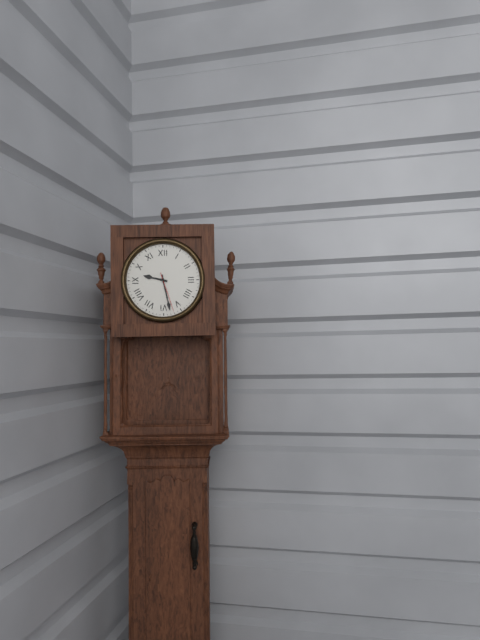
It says 9:28
